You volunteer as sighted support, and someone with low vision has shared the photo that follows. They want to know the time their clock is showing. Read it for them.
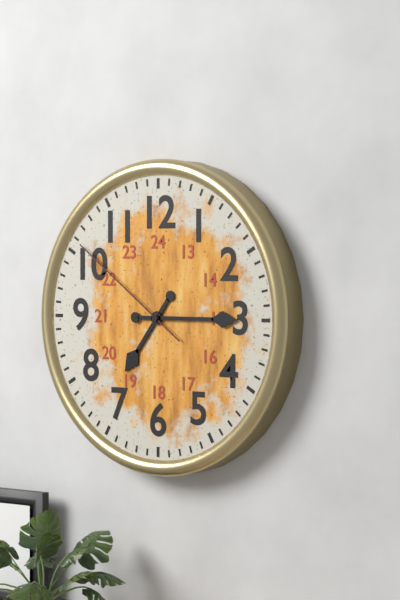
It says 7:15:51
